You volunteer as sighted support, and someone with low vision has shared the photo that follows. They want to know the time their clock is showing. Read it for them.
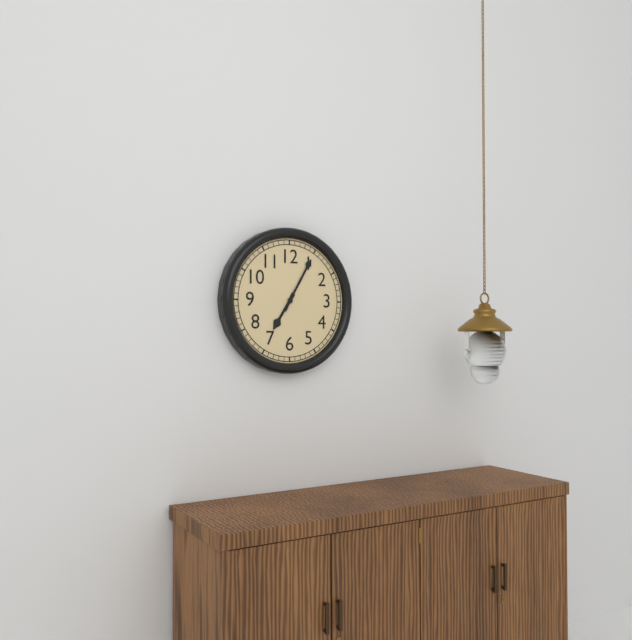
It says 7:05
